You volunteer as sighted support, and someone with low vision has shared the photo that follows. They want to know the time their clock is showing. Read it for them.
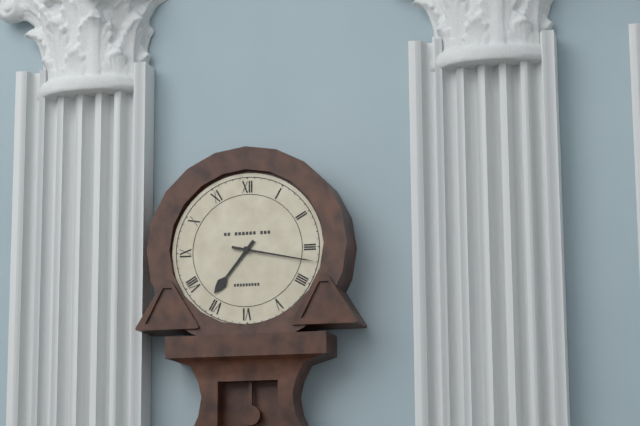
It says 7:17
